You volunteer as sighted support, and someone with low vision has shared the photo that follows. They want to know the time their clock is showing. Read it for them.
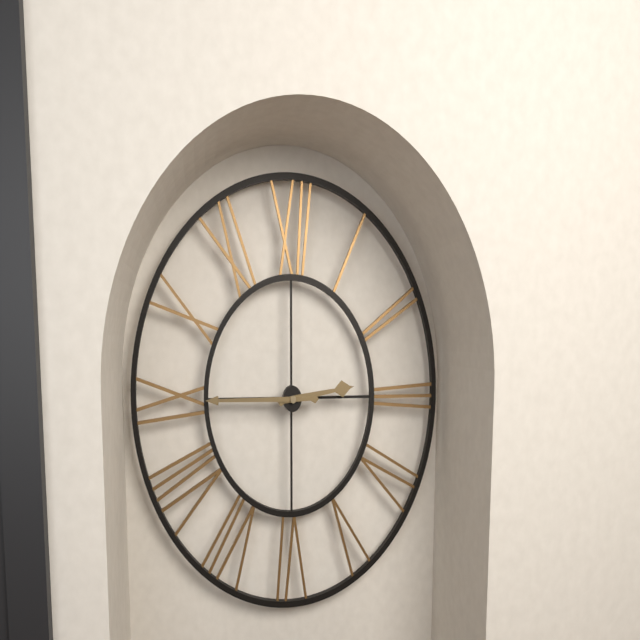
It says 2:45
